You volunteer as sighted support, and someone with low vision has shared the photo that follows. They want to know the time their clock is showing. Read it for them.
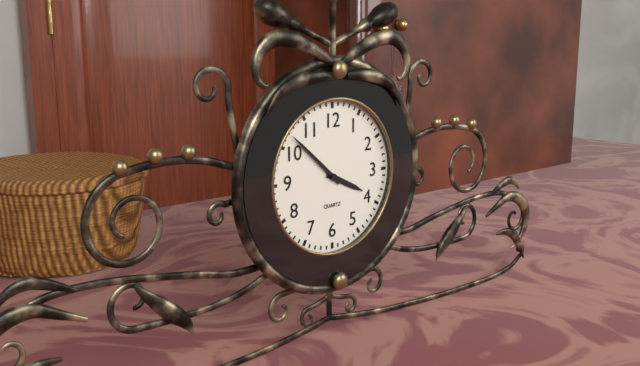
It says 3:52
